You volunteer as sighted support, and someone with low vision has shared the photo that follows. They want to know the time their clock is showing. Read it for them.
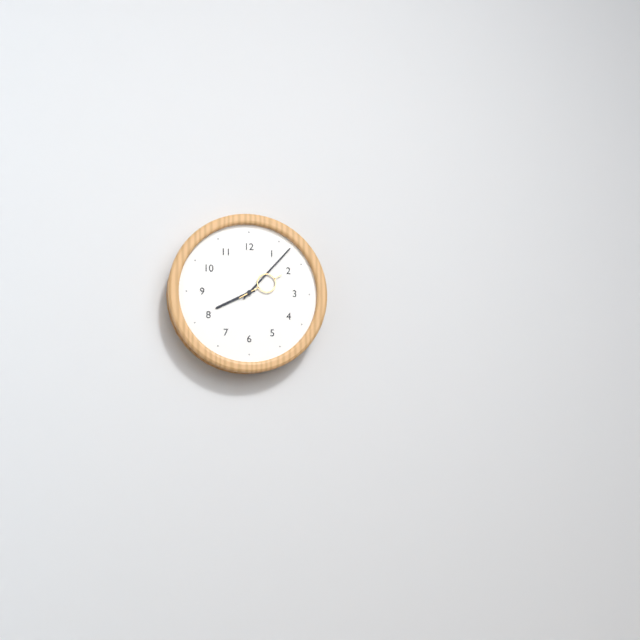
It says 8:07
